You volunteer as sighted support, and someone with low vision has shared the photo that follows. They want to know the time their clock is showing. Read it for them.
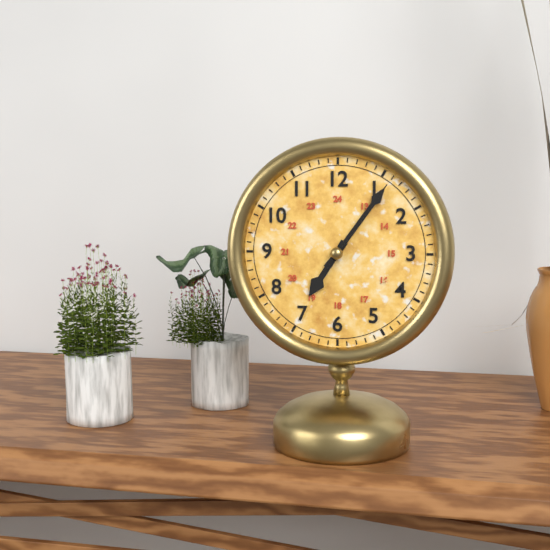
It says 7:06:06
